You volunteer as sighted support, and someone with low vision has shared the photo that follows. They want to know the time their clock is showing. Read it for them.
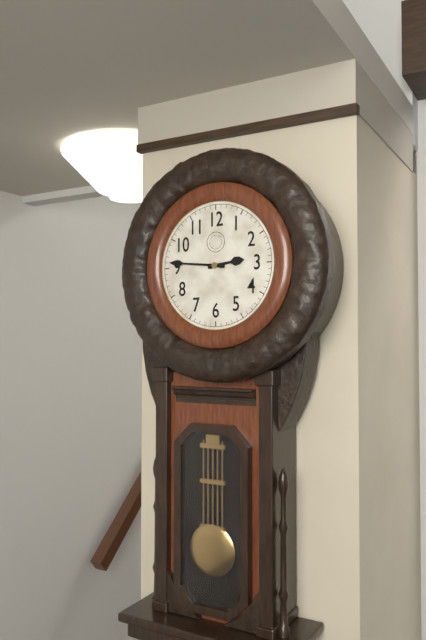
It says 2:46
